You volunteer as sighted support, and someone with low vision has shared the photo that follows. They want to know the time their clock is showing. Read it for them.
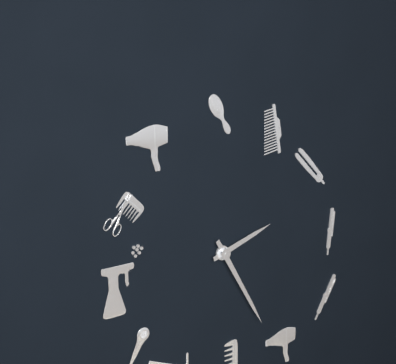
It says 2:25
